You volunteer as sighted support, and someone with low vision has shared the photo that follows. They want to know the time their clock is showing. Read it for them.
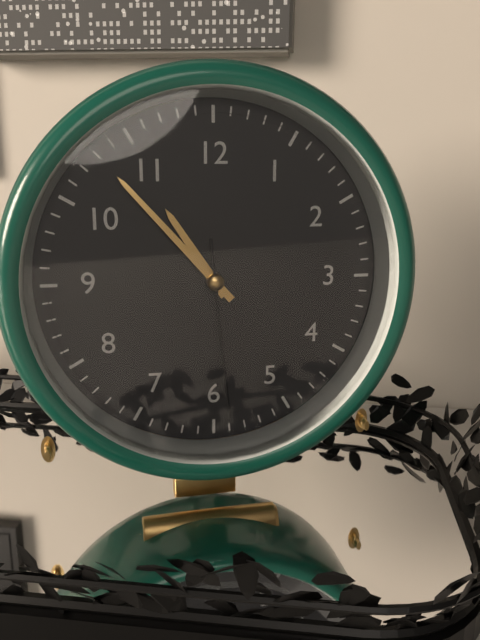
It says 10:53:29
